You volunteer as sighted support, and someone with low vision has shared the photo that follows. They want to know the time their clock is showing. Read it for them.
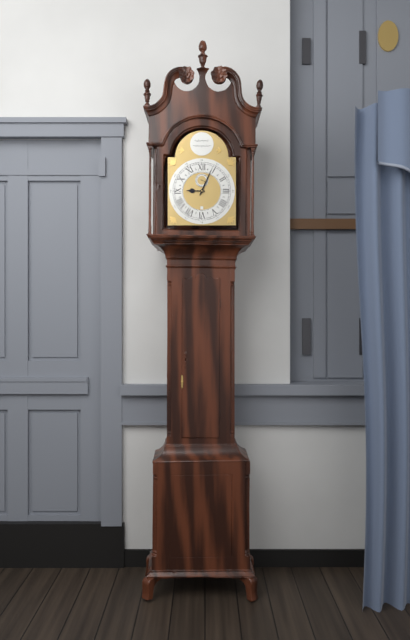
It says 9:04
